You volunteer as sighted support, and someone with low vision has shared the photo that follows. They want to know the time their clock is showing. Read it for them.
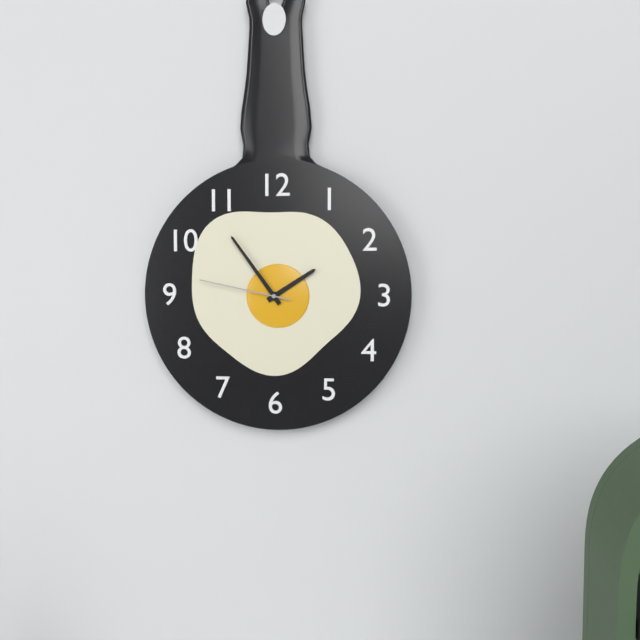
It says 1:54:47
